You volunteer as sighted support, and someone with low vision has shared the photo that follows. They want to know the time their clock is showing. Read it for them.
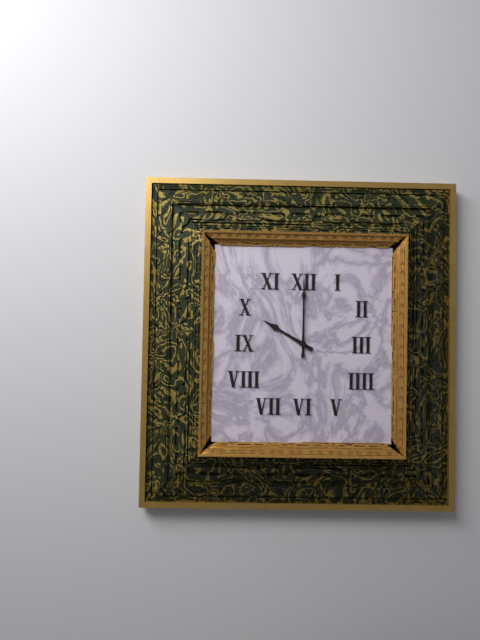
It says 10:00
